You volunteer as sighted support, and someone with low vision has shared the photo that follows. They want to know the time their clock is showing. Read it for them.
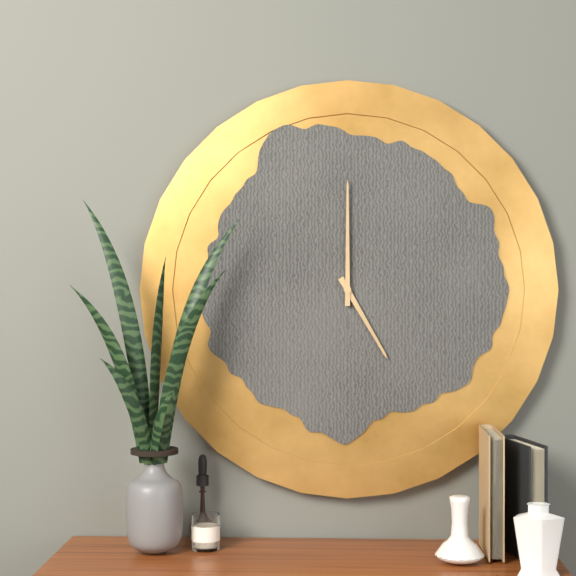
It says 5:00
